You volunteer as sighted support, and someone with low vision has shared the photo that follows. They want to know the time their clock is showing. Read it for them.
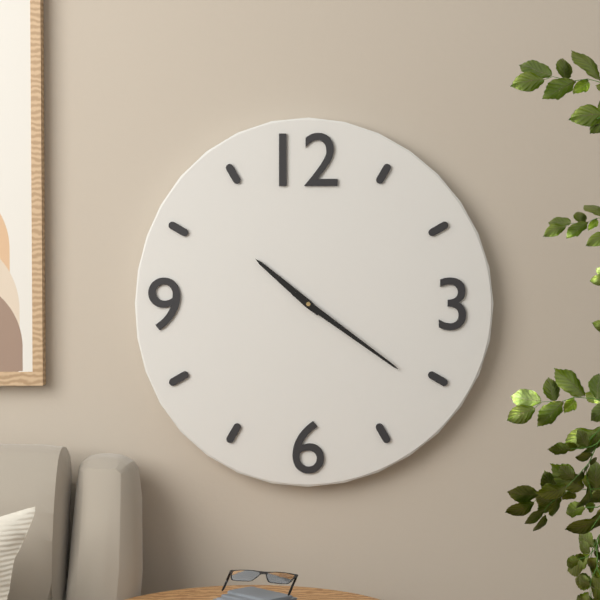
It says 10:21
